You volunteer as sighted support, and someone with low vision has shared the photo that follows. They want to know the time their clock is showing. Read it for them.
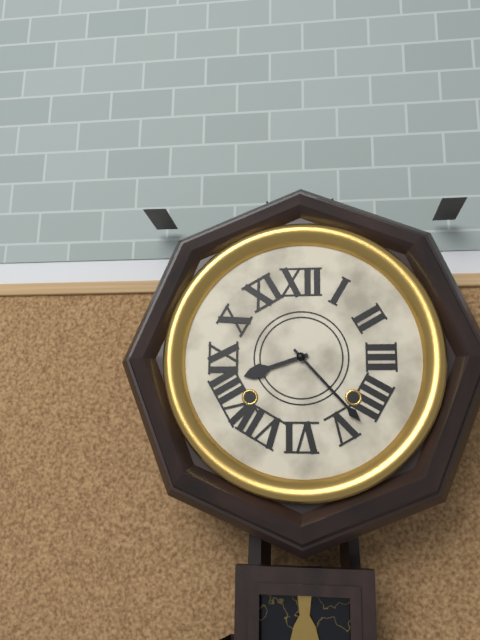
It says 8:23
